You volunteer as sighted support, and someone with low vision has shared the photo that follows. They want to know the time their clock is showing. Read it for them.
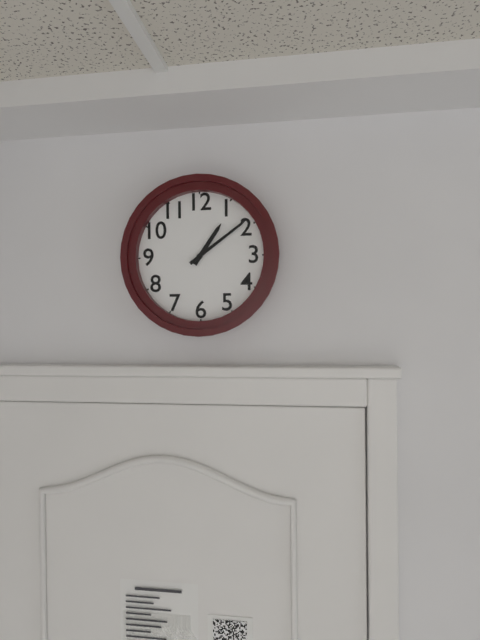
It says 1:09
